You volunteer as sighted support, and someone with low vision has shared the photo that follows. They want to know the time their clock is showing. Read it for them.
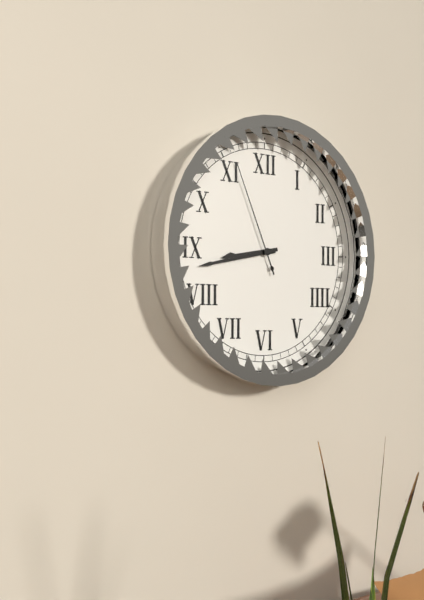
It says 8:43:56
